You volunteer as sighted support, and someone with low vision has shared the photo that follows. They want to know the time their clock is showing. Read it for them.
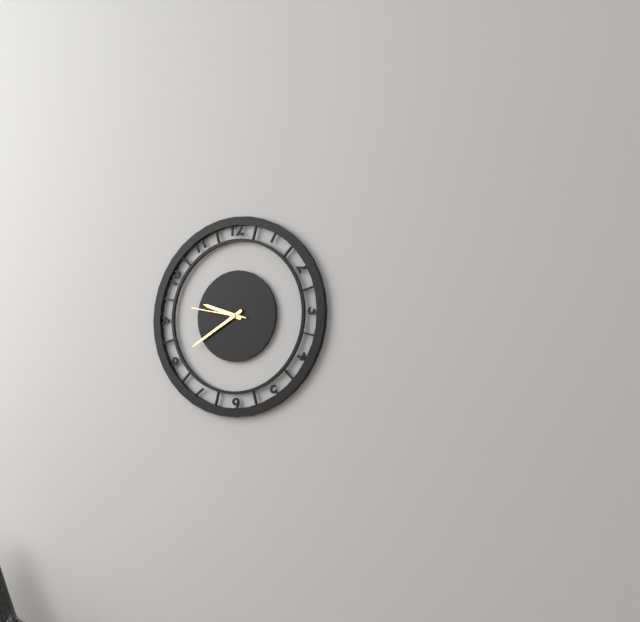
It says 9:40:47
